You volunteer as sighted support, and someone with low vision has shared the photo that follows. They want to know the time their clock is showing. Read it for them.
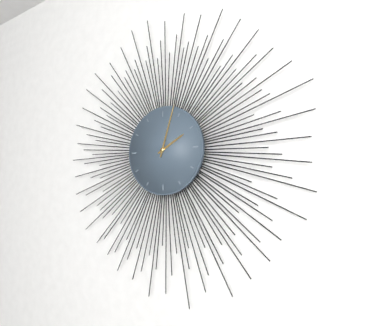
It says 2:03
